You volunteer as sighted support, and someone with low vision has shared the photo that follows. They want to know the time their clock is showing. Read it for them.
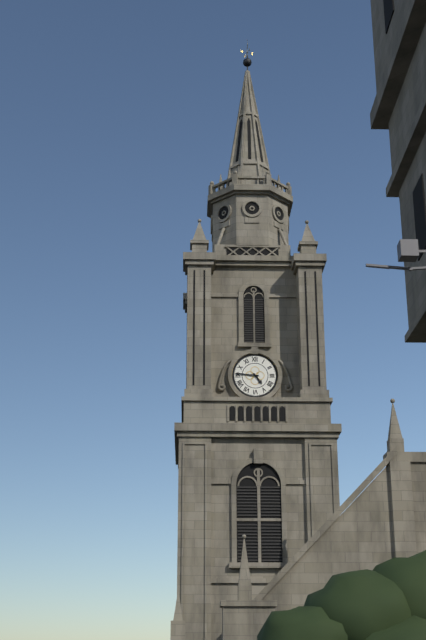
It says 4:46
